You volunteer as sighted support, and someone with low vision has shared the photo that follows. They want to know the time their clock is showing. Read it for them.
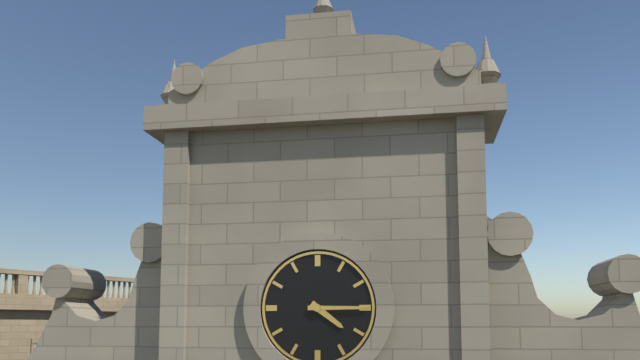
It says 4:15
